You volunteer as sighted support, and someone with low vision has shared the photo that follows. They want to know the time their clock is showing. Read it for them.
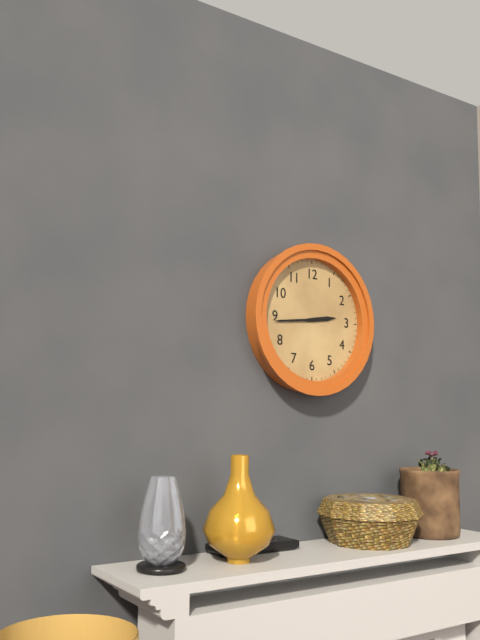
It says 2:44
